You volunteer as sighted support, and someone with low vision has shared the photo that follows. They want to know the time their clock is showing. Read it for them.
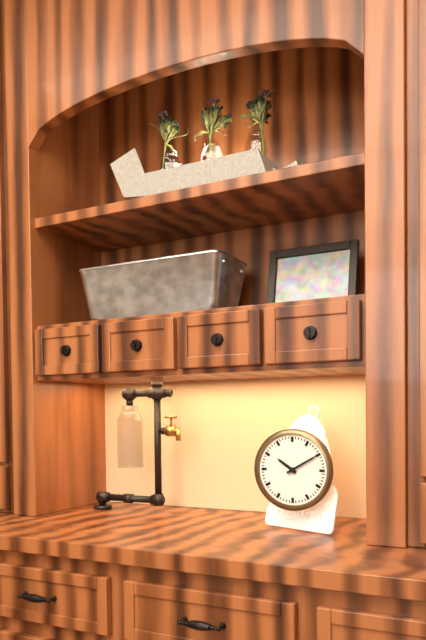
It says 10:10
